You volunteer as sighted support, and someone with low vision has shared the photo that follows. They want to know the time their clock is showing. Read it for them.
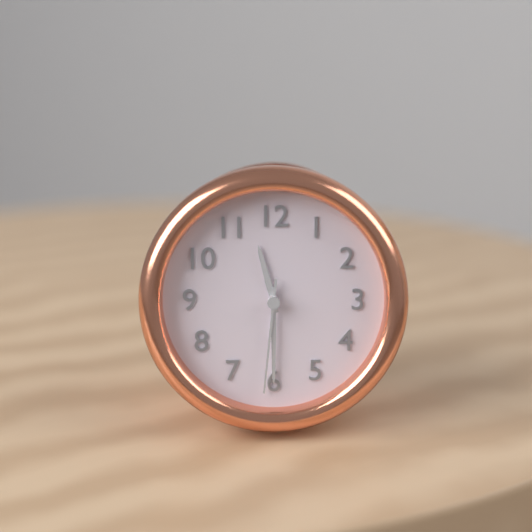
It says 11:30:31
